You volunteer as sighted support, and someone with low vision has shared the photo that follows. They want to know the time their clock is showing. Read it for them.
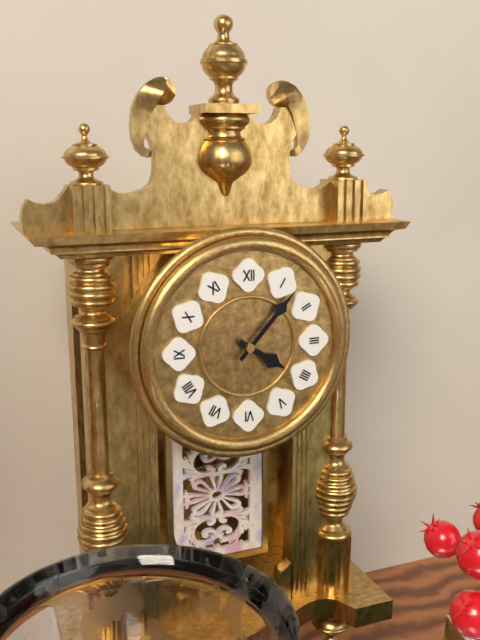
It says 4:07
